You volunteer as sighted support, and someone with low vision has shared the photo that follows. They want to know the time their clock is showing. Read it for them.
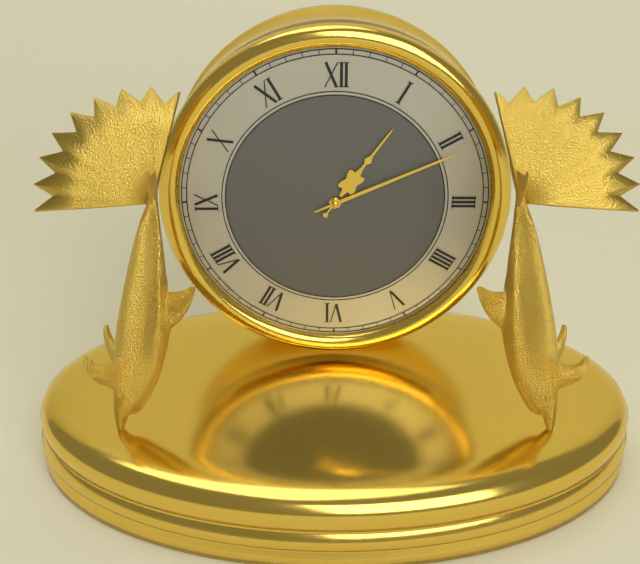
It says 1:11
